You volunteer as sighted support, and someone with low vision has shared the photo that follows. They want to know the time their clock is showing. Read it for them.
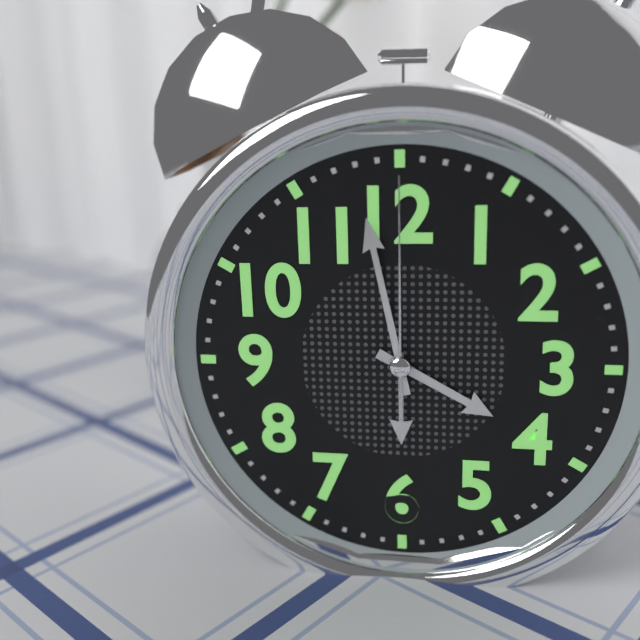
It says 3:58:00
